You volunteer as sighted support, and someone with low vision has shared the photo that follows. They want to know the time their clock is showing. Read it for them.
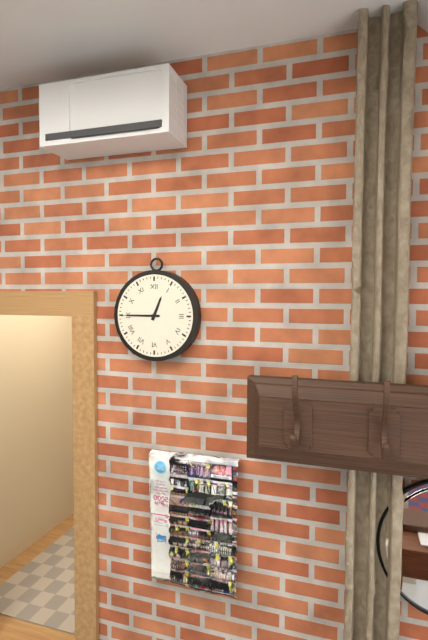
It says 12:45
